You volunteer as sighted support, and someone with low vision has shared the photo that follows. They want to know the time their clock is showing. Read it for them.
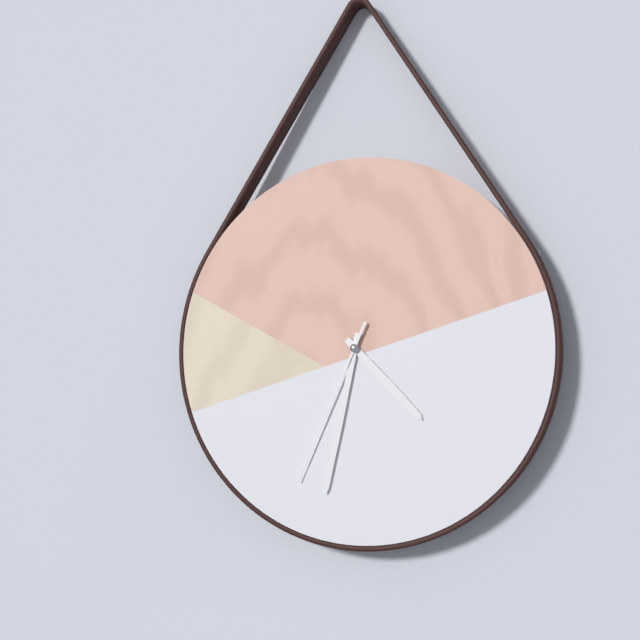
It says 4:32:34
